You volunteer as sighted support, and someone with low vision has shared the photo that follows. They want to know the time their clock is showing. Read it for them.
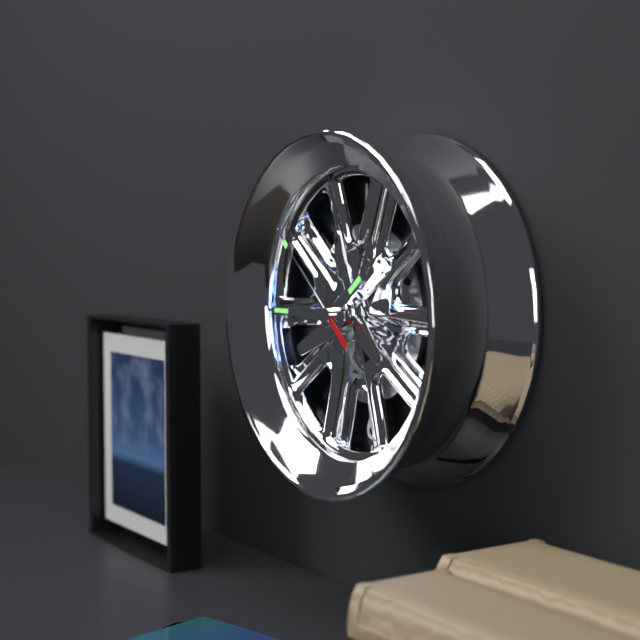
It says 1:45:52
